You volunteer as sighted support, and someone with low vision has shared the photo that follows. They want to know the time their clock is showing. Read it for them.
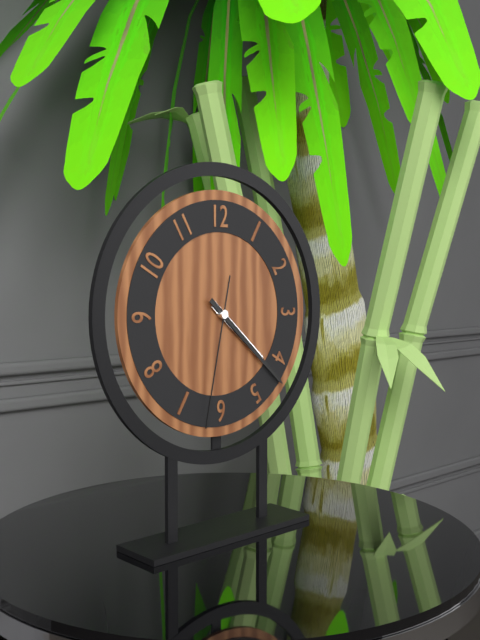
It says 4:22:32
